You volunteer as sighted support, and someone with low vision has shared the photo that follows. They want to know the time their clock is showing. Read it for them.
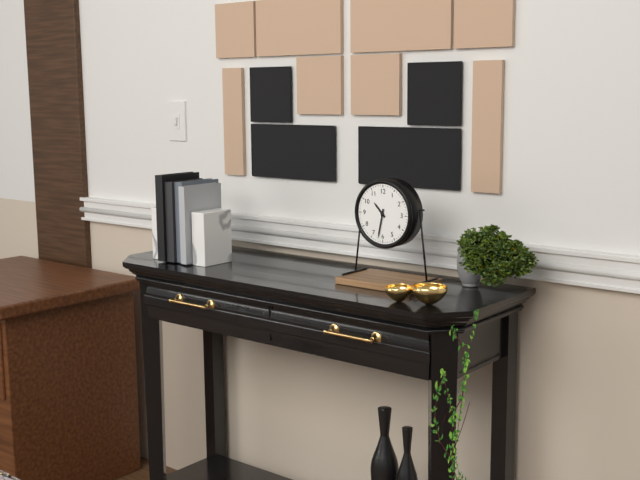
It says 10:32
